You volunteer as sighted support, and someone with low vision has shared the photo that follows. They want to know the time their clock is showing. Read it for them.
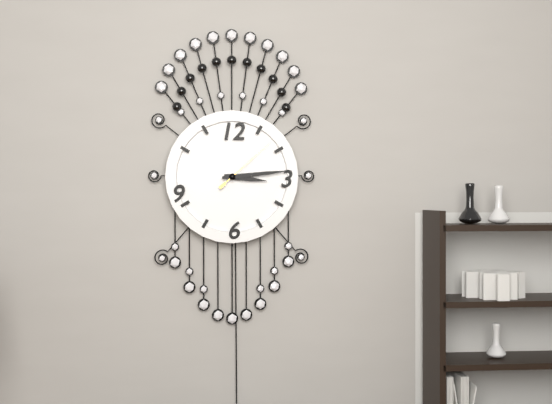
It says 3:14:08
